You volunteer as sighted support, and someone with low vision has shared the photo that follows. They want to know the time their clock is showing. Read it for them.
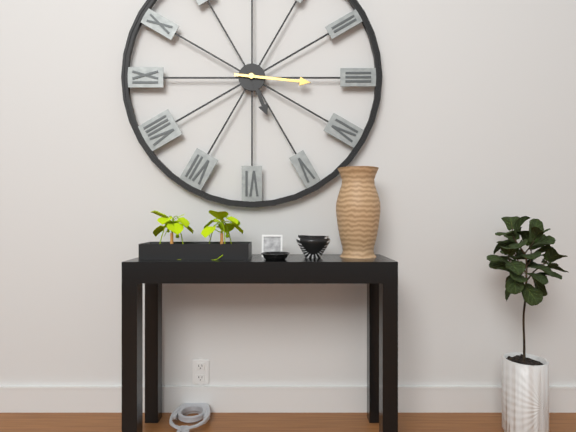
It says 5:16
